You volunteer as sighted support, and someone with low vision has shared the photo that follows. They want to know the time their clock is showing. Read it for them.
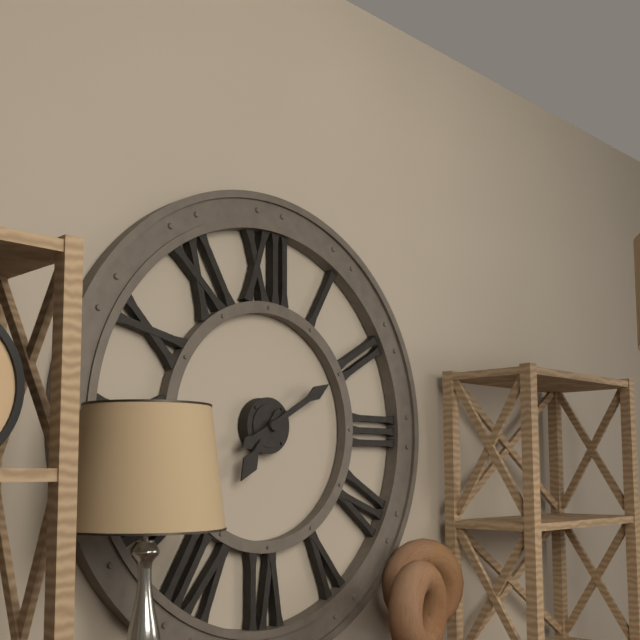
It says 7:10
